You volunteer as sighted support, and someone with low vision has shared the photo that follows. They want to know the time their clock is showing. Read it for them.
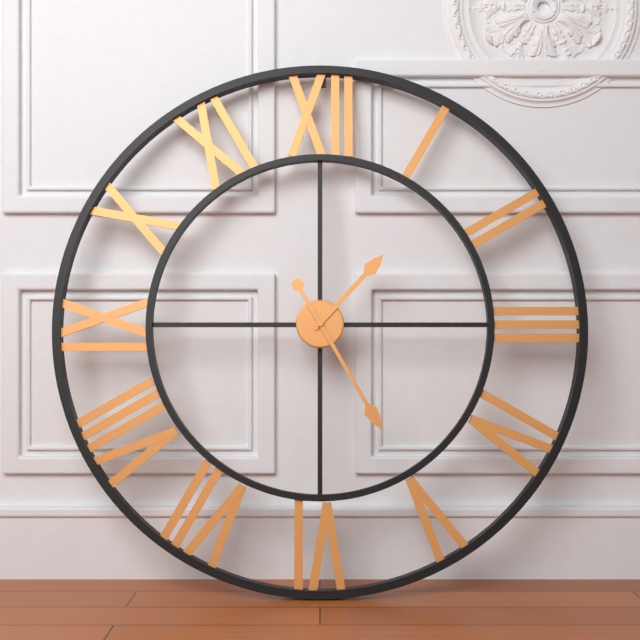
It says 1:25
